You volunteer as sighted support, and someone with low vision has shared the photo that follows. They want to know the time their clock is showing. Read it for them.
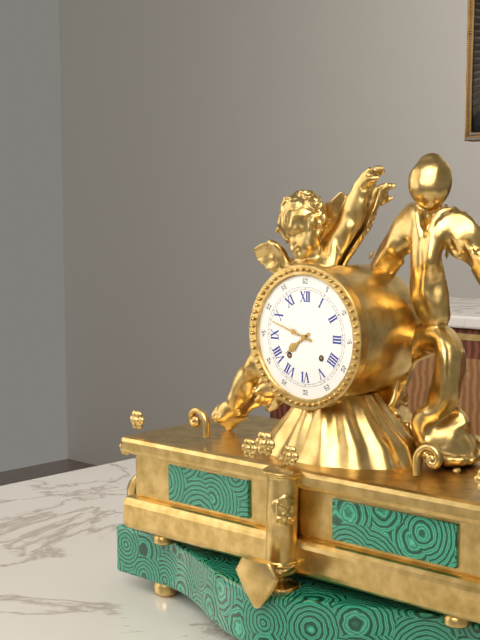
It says 7:48
